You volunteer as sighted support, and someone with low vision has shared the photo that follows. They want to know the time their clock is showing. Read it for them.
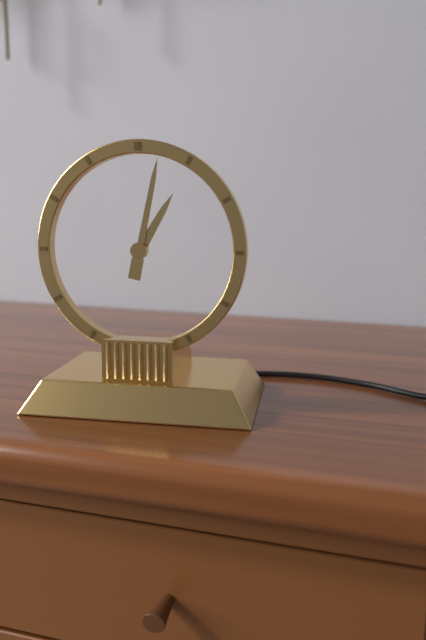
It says 1:02
